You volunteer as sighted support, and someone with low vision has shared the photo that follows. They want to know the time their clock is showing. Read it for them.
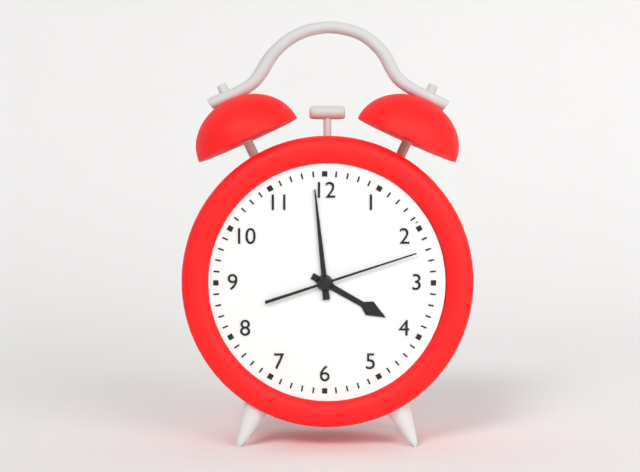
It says 3:59:12
